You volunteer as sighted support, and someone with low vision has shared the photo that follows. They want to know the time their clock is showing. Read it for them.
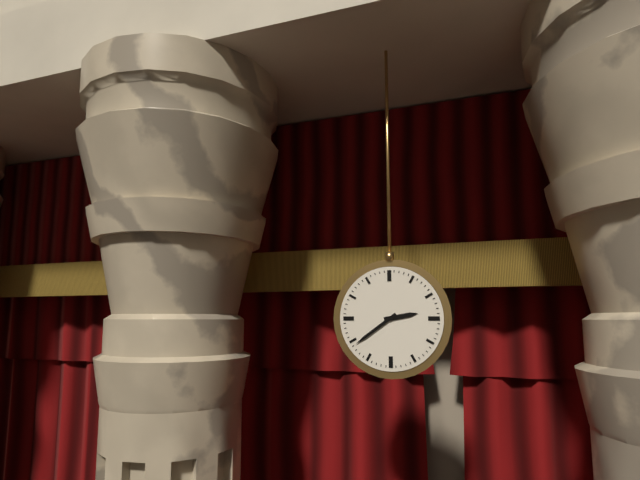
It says 2:39
